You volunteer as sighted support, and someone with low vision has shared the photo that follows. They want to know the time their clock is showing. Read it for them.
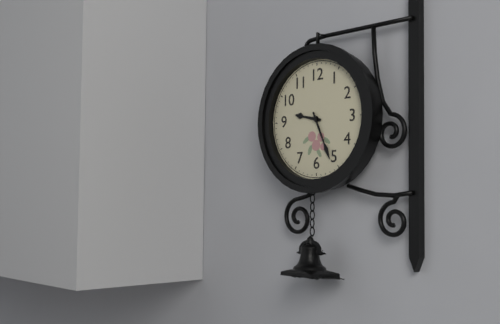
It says 9:26
